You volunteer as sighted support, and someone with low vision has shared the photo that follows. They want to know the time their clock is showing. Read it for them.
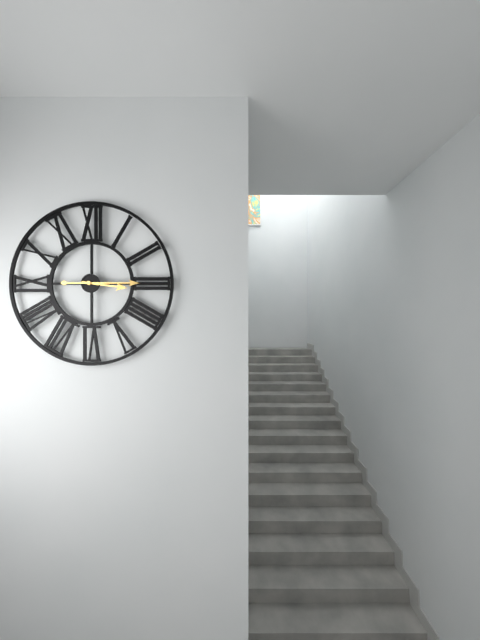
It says 3:15
